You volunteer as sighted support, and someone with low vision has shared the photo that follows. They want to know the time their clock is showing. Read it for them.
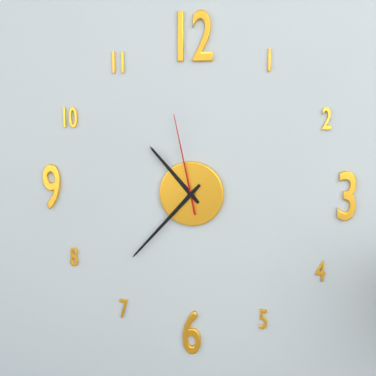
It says 10:37:58
